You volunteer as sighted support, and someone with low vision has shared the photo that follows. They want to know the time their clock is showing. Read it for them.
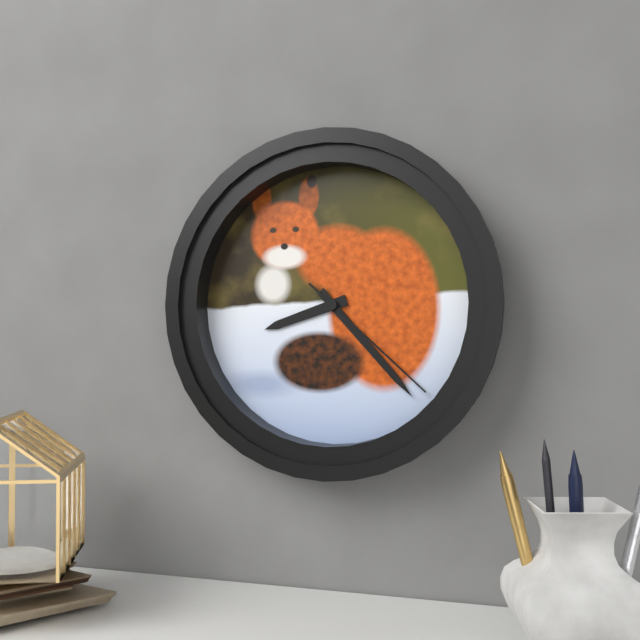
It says 8:23:22
